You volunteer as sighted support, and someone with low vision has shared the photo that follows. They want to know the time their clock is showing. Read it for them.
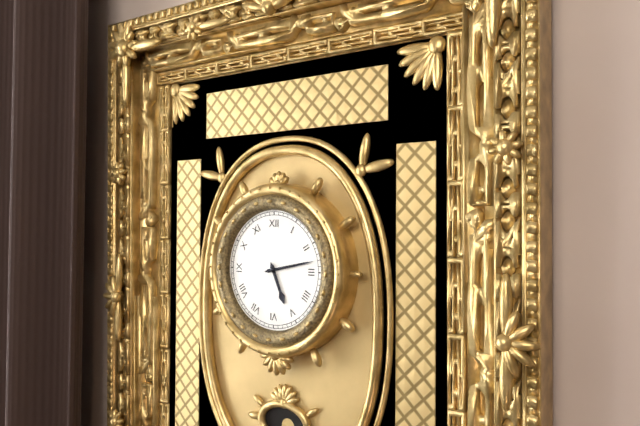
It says 5:13
